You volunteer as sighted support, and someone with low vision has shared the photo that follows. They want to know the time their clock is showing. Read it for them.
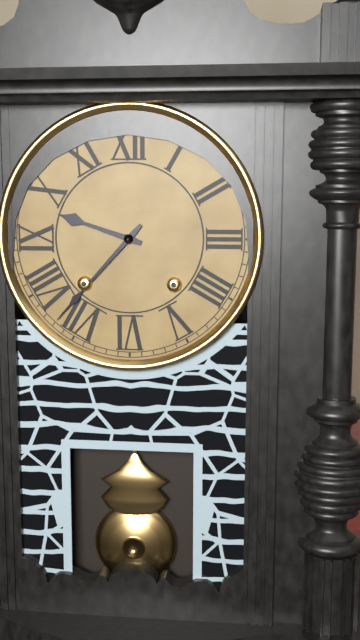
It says 9:37
